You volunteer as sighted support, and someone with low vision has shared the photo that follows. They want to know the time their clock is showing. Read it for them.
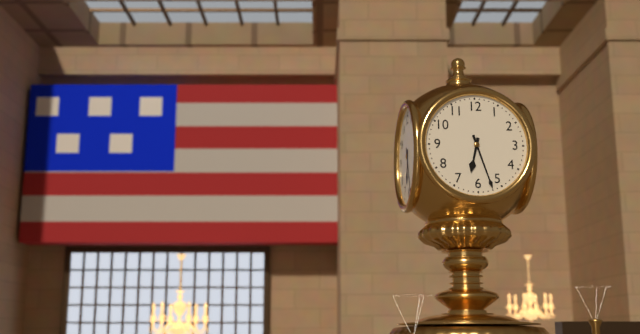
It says 6:27
